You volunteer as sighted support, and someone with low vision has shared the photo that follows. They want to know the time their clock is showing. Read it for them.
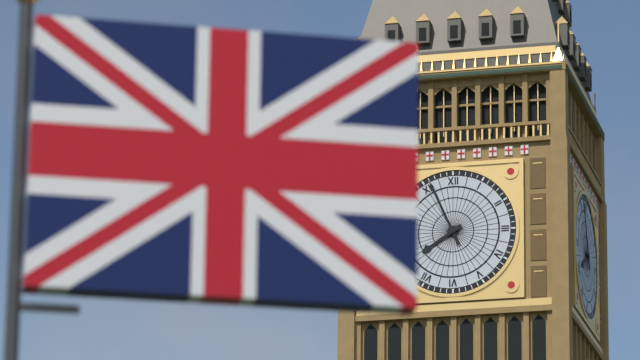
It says 7:56
